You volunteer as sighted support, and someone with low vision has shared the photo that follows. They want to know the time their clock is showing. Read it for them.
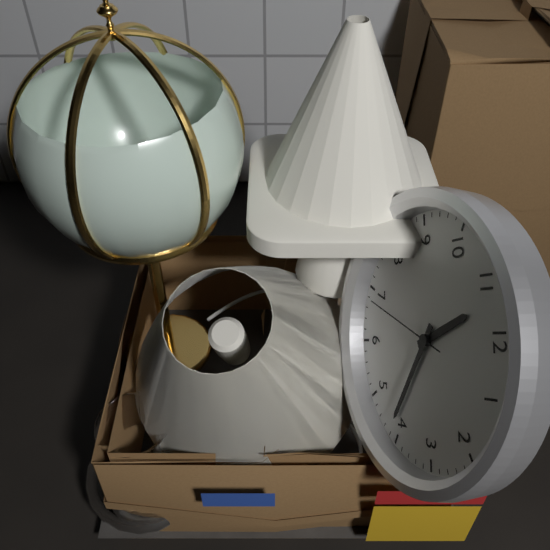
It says 11:21:34
